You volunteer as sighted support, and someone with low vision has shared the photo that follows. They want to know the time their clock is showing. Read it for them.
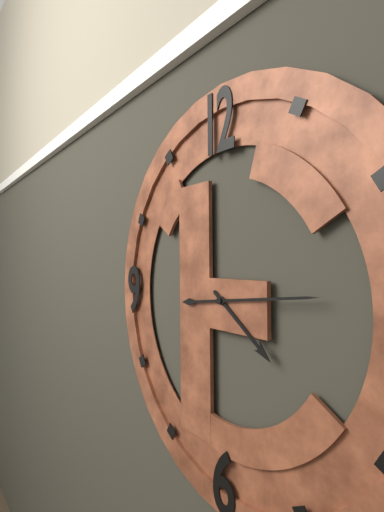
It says 4:14
